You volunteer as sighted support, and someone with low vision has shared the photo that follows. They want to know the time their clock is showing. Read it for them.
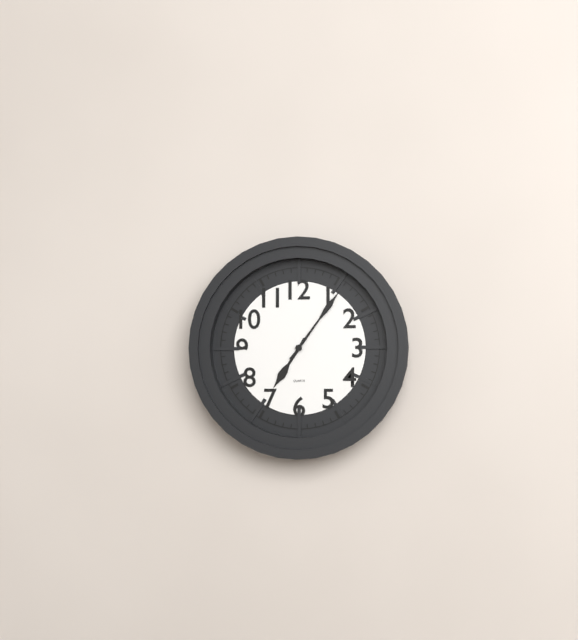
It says 7:06
